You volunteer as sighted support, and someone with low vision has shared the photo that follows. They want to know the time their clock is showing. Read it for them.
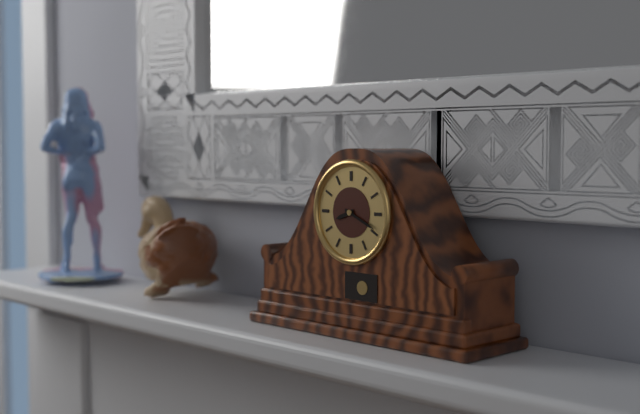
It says 8:19
